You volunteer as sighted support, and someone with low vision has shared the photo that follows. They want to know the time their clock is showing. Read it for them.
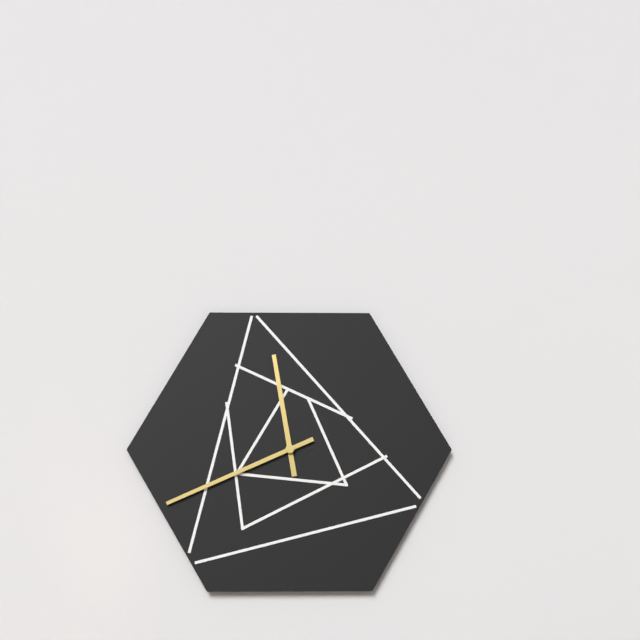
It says 11:41
